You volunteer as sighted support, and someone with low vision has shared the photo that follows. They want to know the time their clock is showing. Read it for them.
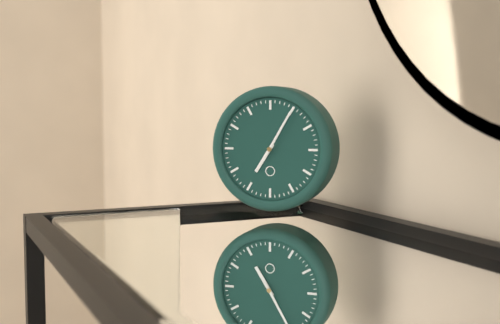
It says 7:05
